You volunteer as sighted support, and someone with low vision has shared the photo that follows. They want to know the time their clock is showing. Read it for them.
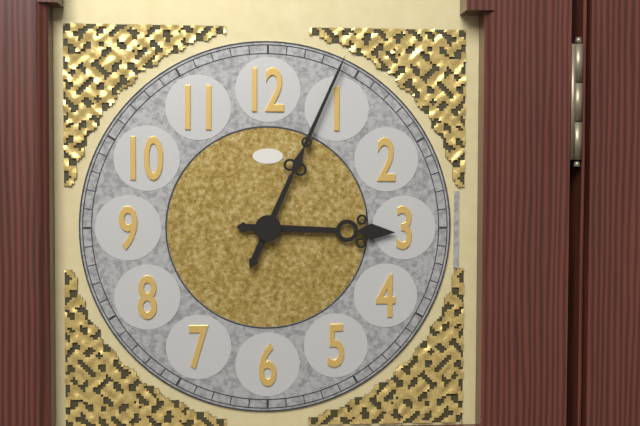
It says 3:04
